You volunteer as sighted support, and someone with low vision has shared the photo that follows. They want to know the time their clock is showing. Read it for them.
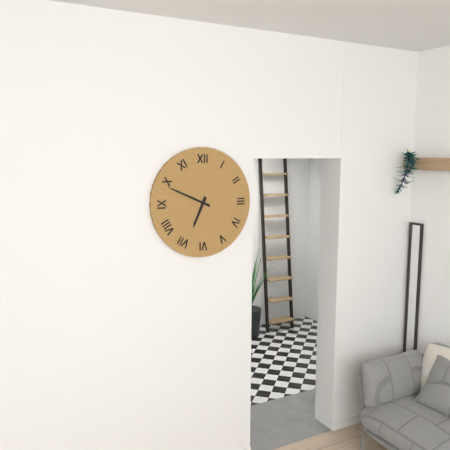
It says 6:49
